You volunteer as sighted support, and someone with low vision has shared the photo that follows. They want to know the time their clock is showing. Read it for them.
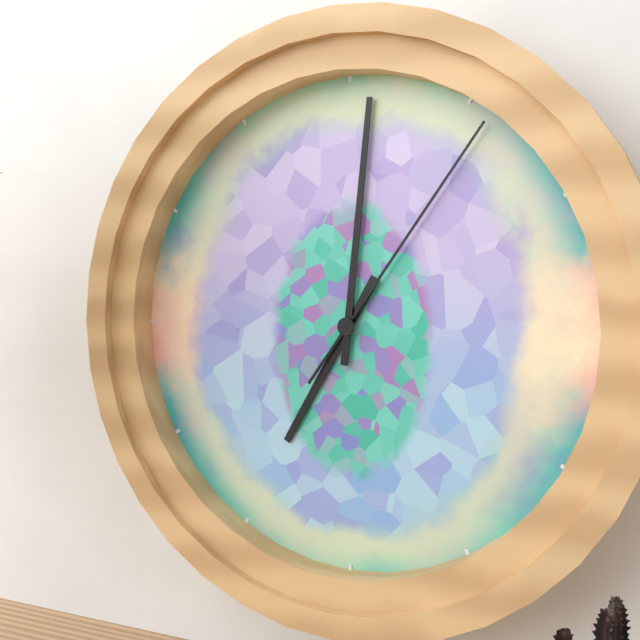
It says 7:01:06
